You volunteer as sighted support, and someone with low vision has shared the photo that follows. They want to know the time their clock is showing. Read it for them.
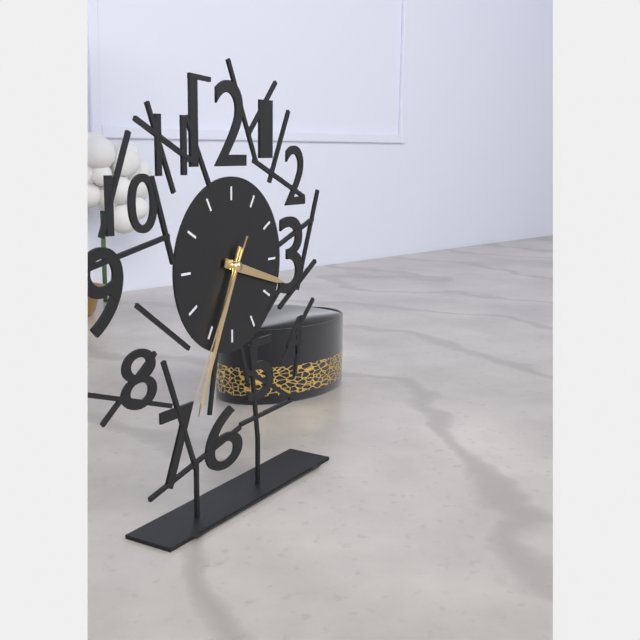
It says 3:34:35
